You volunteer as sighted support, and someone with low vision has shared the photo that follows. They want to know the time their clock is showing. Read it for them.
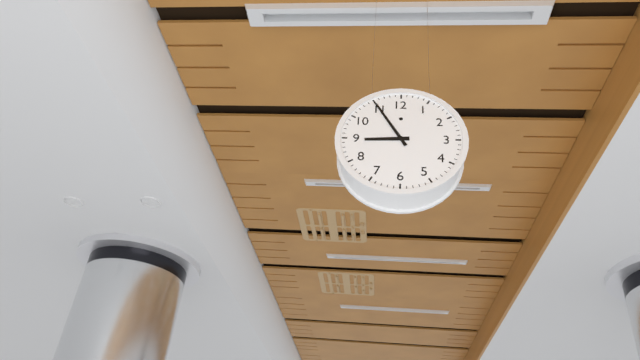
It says 8:55
